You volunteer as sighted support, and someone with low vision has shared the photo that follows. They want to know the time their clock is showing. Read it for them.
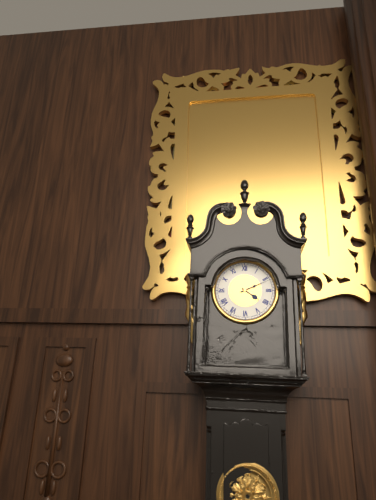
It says 4:11
